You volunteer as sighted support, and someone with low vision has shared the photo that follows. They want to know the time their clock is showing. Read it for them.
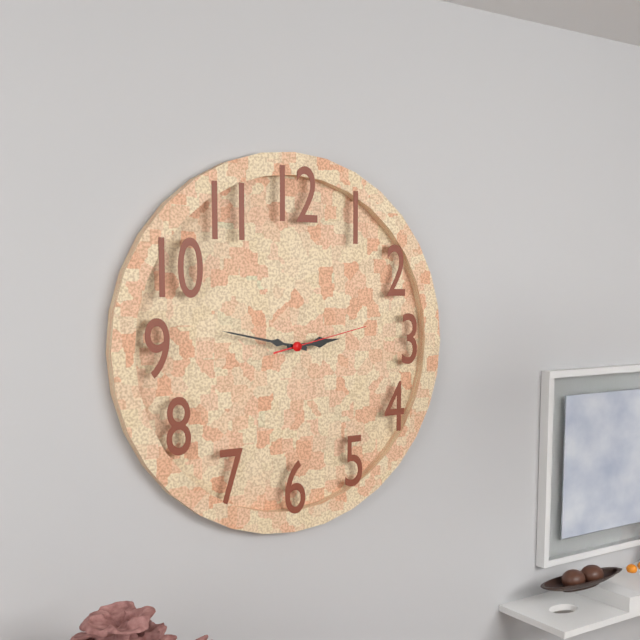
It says 2:47:13
